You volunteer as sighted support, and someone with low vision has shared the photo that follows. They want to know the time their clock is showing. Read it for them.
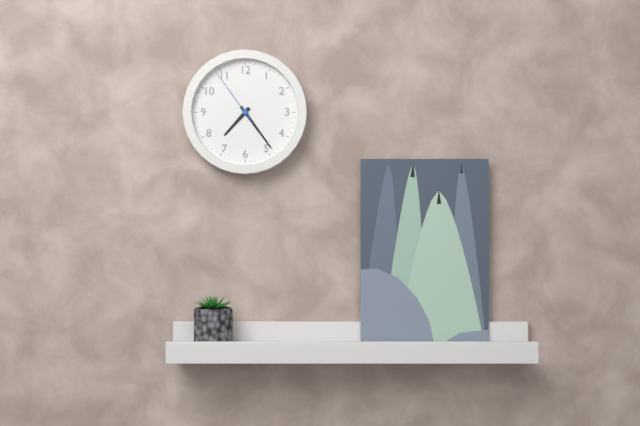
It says 7:24:54
